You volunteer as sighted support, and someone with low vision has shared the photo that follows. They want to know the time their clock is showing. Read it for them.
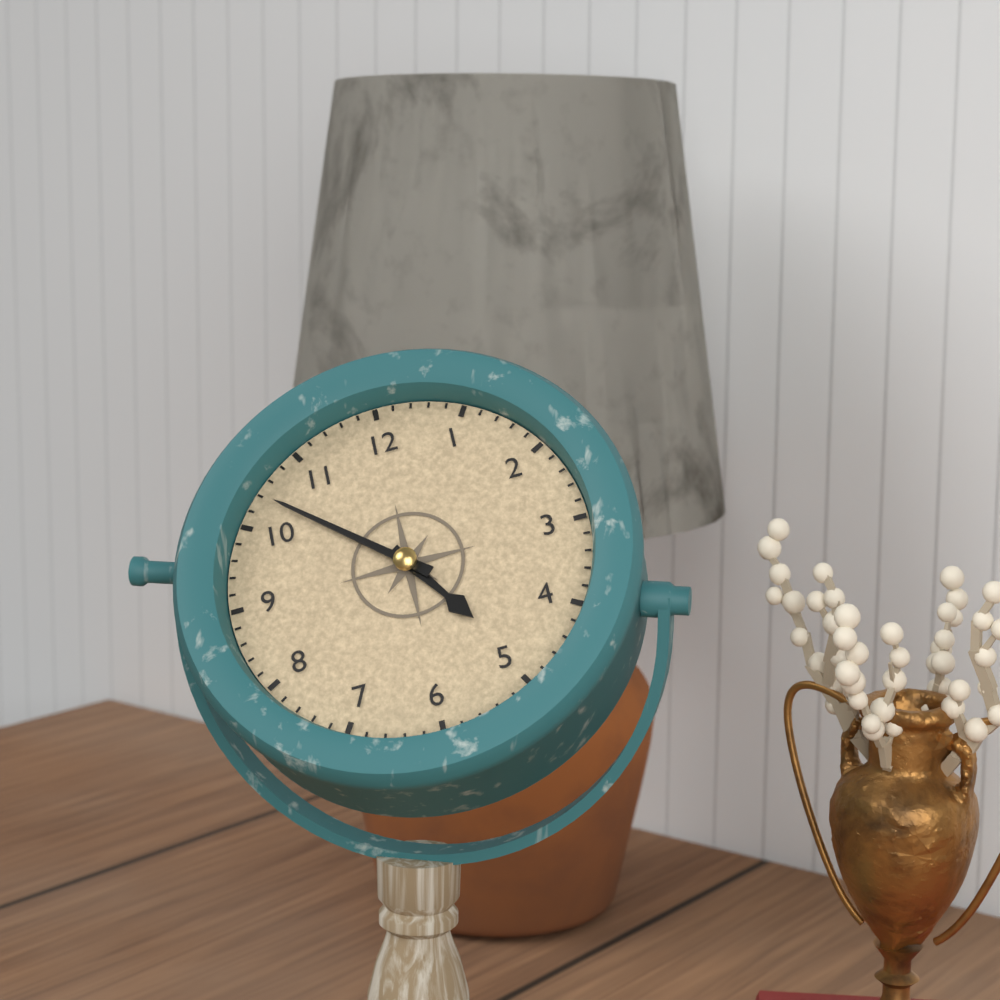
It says 4:52
